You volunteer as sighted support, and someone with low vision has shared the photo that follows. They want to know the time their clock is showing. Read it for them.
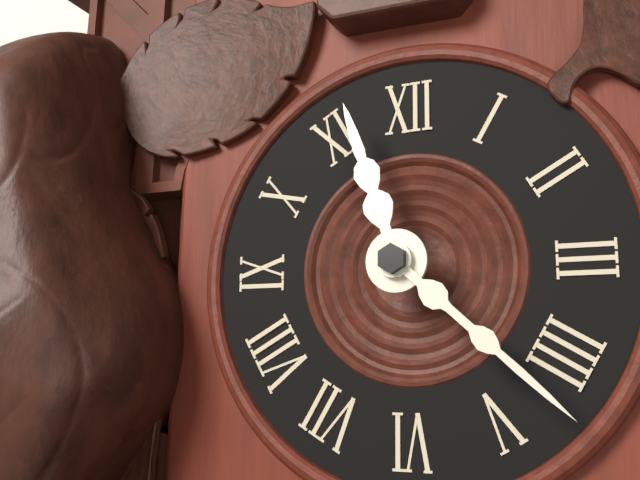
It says 11:22
